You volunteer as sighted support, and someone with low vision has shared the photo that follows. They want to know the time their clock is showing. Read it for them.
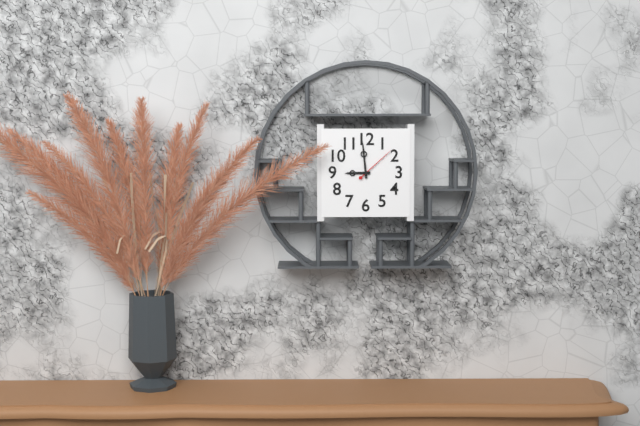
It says 8:59
